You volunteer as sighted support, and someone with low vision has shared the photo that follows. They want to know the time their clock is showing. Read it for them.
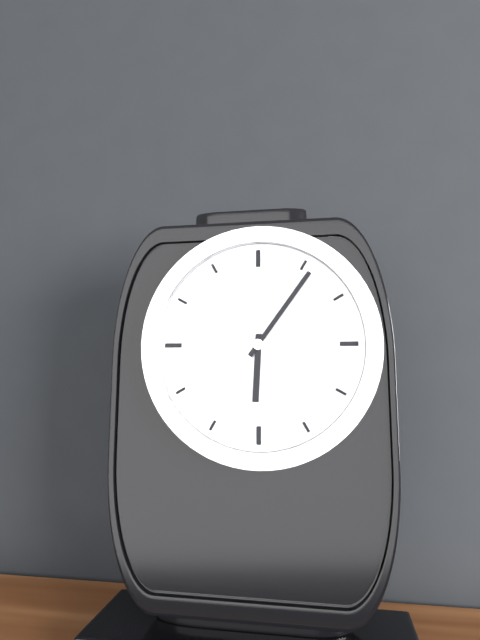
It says 6:06
